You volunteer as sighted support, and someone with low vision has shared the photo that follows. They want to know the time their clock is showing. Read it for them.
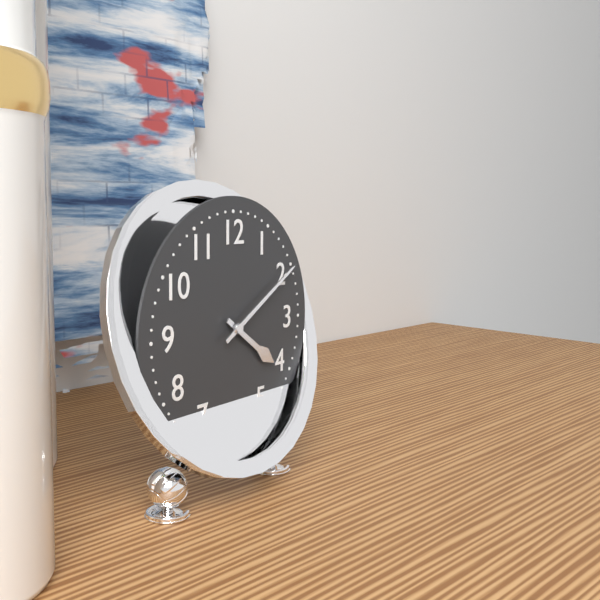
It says 4:10
